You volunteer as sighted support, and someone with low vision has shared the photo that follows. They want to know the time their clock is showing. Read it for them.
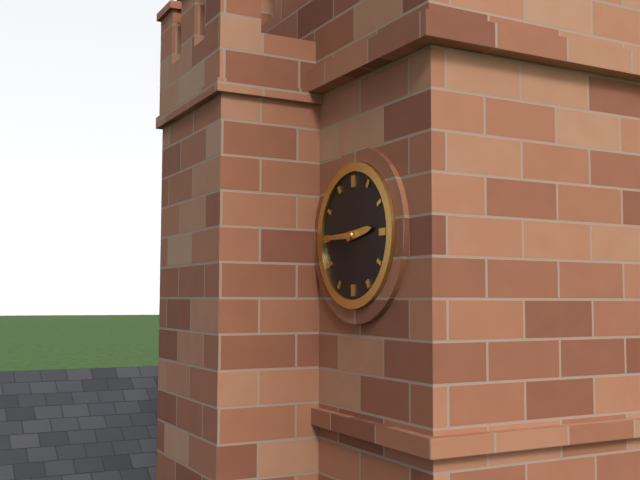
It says 2:45
